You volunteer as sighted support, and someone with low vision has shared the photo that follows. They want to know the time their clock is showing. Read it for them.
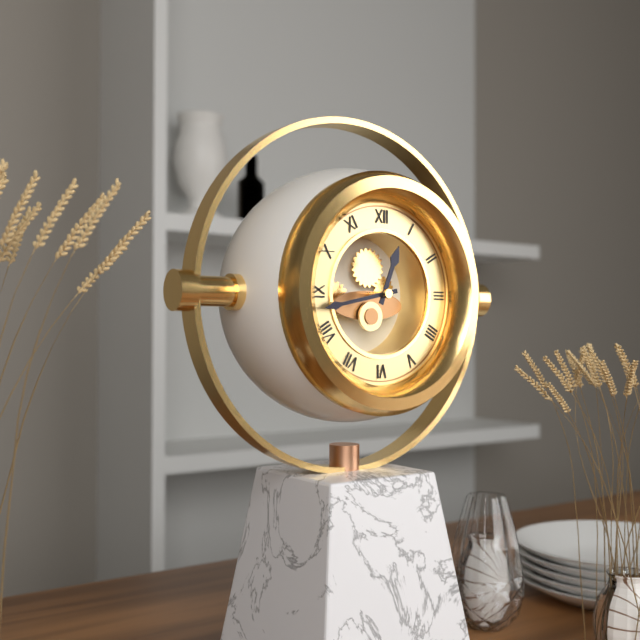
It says 12:43
